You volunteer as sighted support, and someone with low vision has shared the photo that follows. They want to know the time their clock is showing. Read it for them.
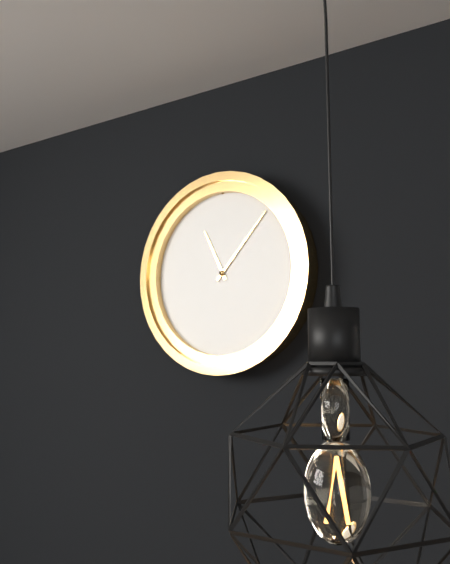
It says 11:07
